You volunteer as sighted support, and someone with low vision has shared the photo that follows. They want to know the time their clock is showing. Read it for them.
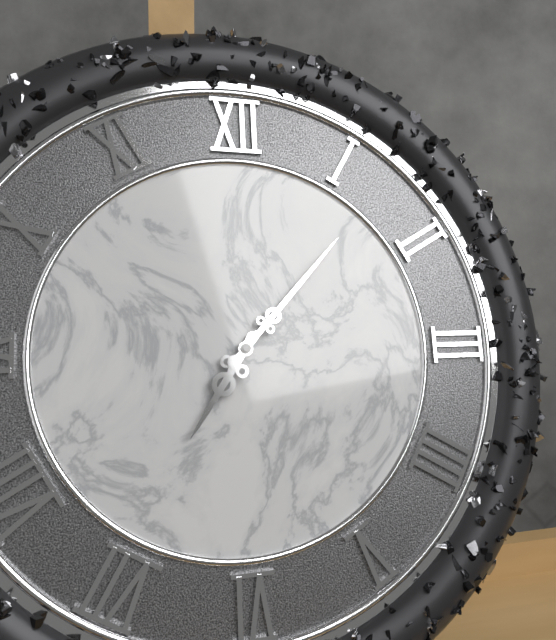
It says 7:07
